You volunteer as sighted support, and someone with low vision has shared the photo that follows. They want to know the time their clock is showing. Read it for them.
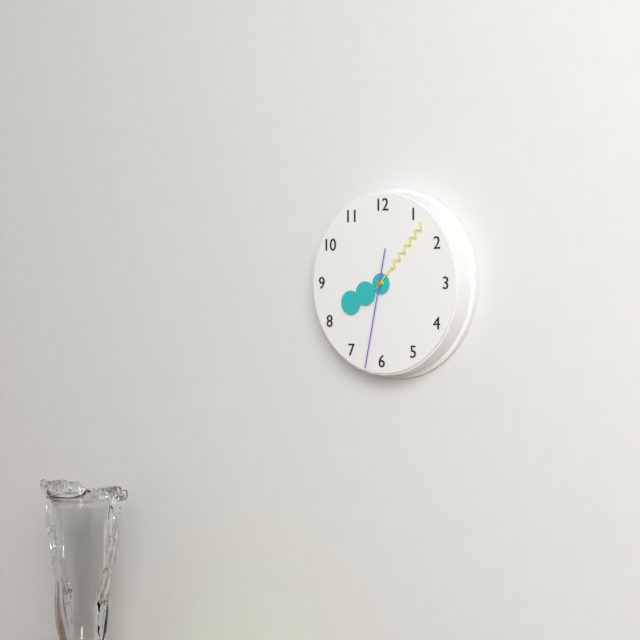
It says 8:07:32
